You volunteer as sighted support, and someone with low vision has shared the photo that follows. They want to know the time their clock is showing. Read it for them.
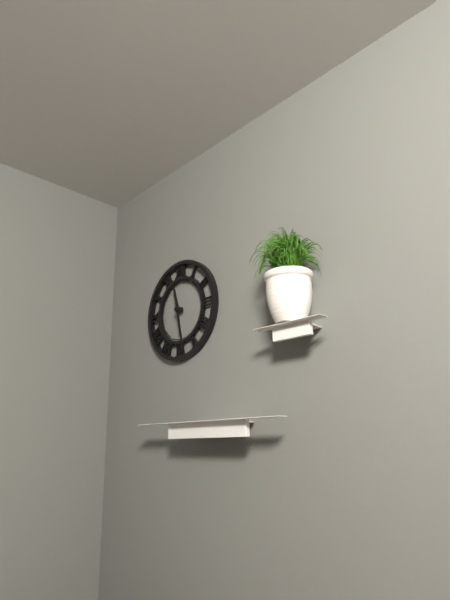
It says 11:28
